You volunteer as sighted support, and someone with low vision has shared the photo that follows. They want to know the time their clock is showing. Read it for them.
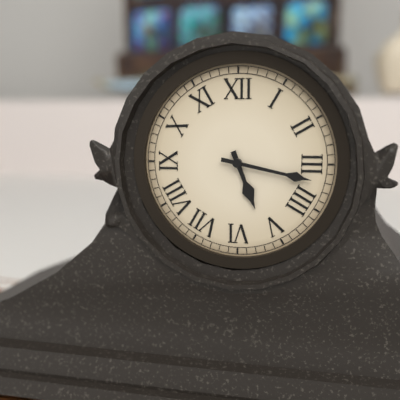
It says 5:17
